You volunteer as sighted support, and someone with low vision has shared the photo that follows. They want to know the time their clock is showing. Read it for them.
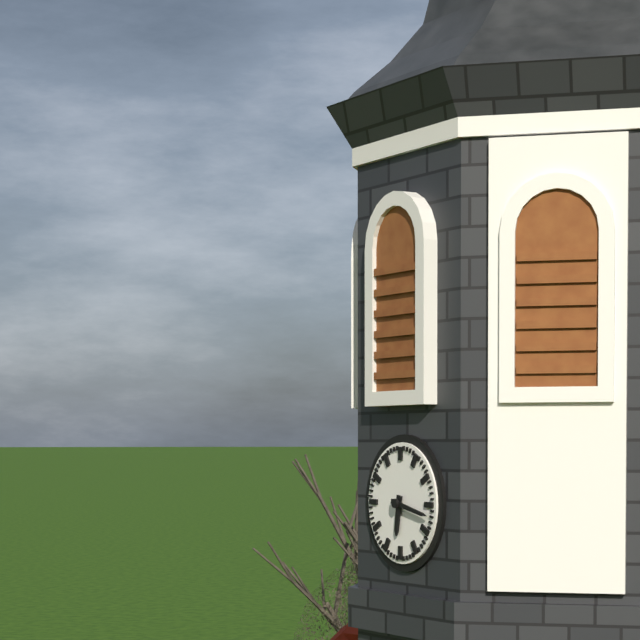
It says 6:17
